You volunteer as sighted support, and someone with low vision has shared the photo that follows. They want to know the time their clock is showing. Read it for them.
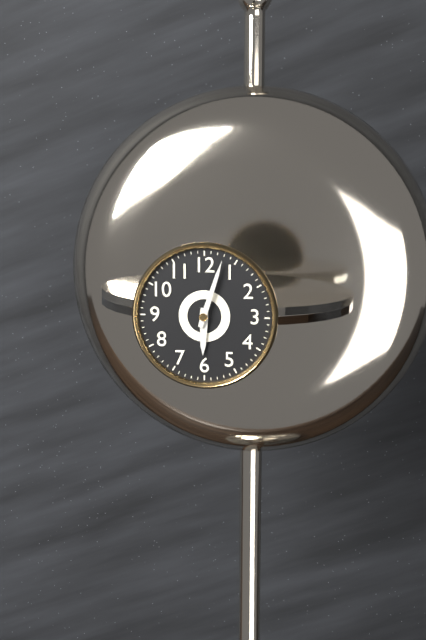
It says 6:03
